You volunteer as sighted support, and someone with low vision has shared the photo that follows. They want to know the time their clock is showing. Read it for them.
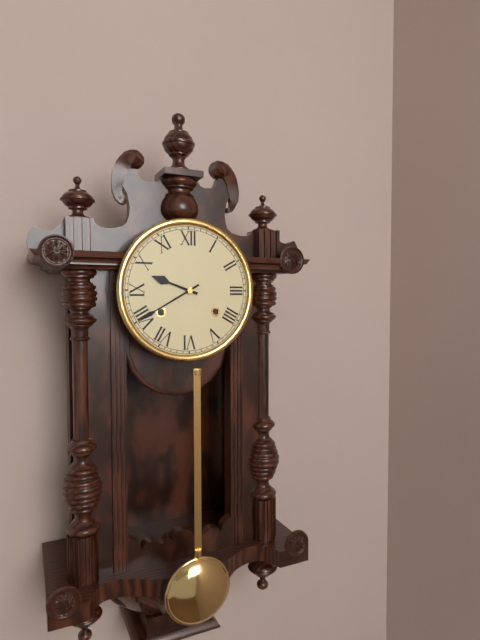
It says 9:40
